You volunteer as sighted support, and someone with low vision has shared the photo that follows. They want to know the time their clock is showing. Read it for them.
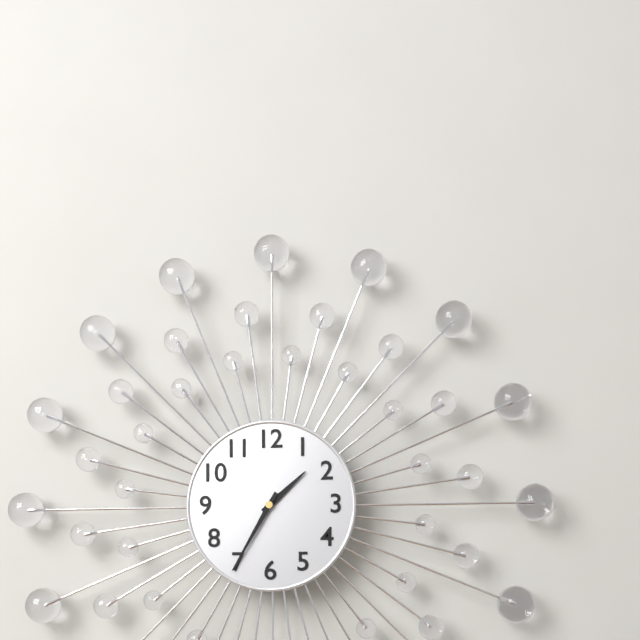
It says 1:35
